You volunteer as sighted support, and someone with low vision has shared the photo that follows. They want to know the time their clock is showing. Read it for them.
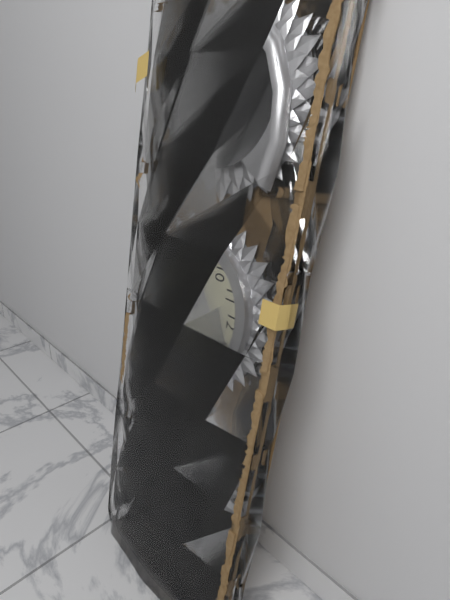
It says 8:20
